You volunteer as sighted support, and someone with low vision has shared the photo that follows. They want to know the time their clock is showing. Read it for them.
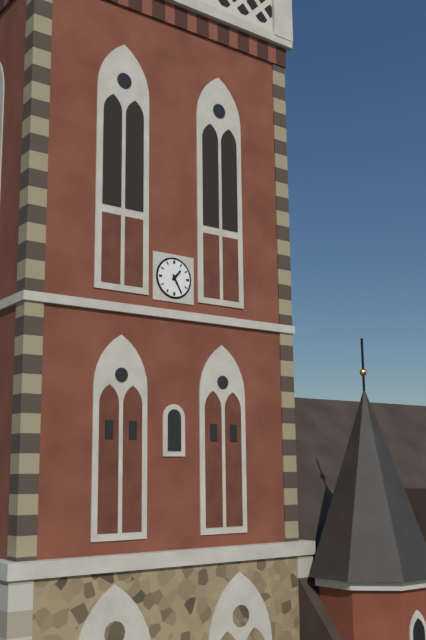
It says 1:25
